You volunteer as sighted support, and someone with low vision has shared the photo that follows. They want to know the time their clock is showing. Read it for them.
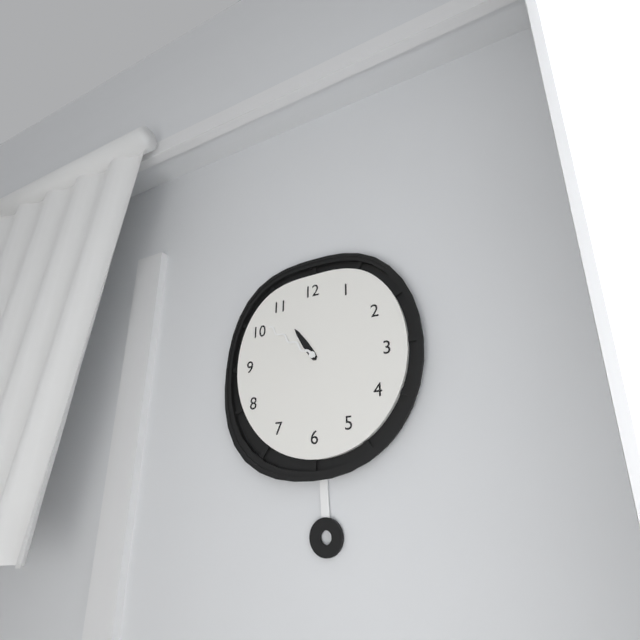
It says 10:51
